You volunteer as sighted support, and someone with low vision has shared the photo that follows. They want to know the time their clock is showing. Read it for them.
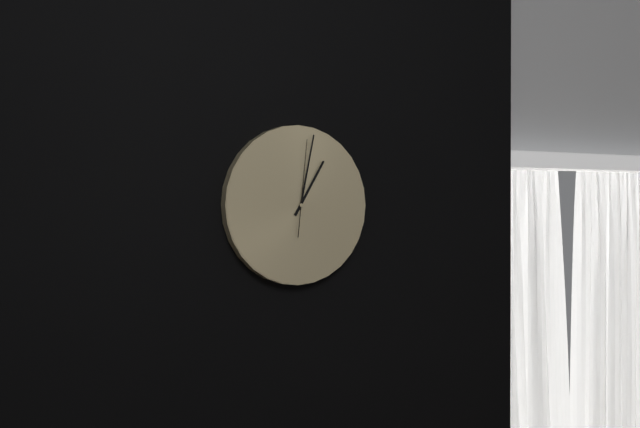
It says 1:02:01
